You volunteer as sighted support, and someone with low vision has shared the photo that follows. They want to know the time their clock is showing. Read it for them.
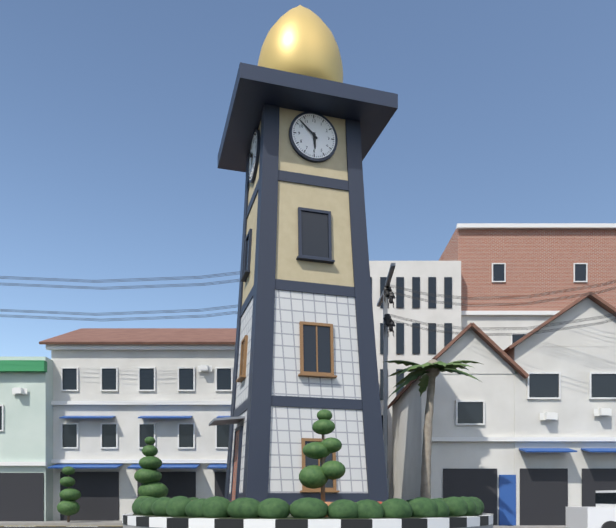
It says 5:52
